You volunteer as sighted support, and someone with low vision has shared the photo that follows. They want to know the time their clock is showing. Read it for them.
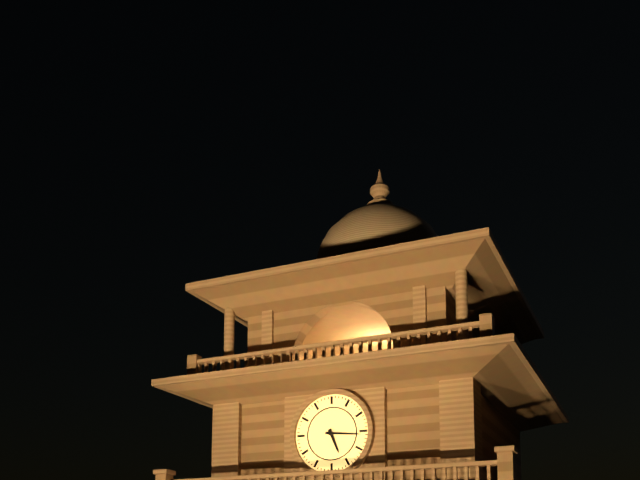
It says 5:16
